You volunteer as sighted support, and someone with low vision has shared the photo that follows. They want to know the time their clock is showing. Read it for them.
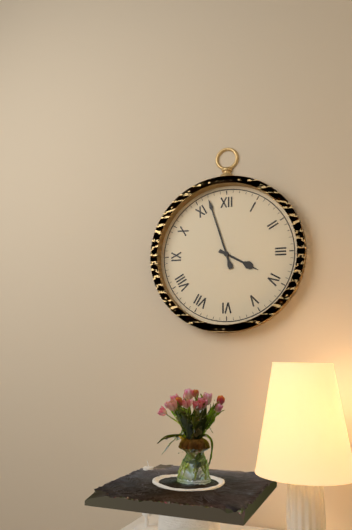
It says 3:57
